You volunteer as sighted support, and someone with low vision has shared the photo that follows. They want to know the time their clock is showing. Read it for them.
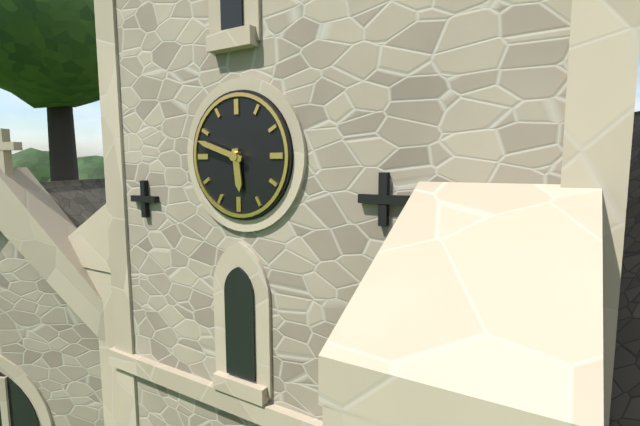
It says 5:48
